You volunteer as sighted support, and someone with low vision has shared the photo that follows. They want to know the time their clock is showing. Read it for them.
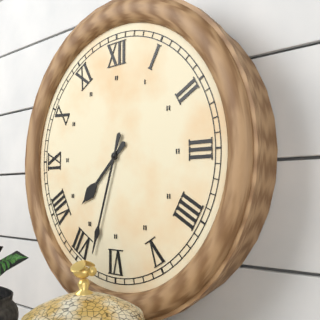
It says 7:33
